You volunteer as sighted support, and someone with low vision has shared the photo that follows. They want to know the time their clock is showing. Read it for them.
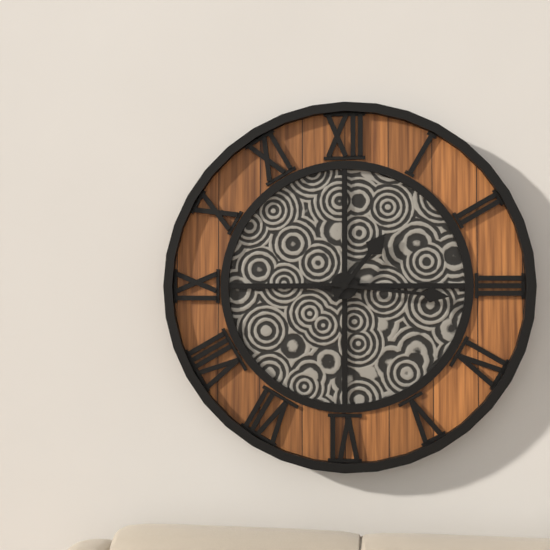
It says 1:16
